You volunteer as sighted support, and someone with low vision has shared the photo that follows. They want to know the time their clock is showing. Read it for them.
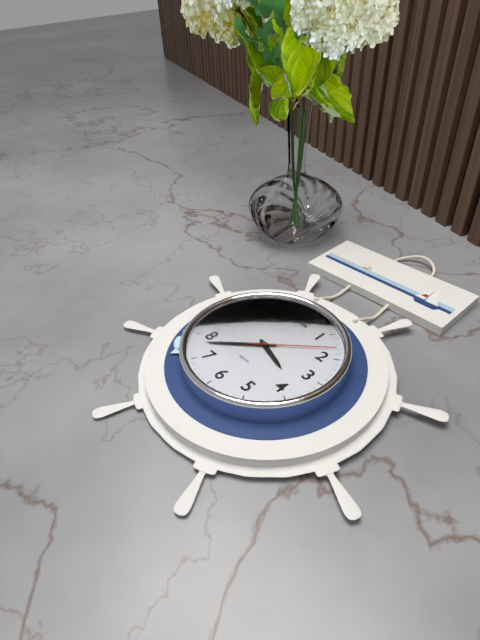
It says 3:38:08
